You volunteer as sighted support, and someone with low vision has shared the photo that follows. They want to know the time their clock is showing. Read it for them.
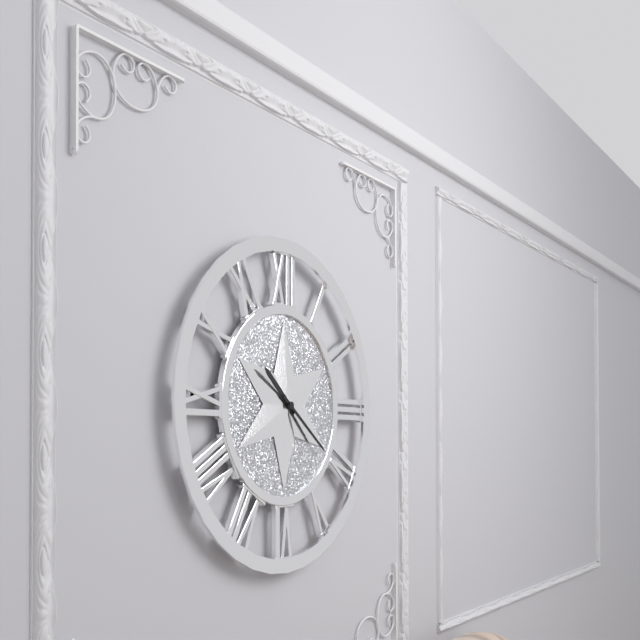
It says 10:21
